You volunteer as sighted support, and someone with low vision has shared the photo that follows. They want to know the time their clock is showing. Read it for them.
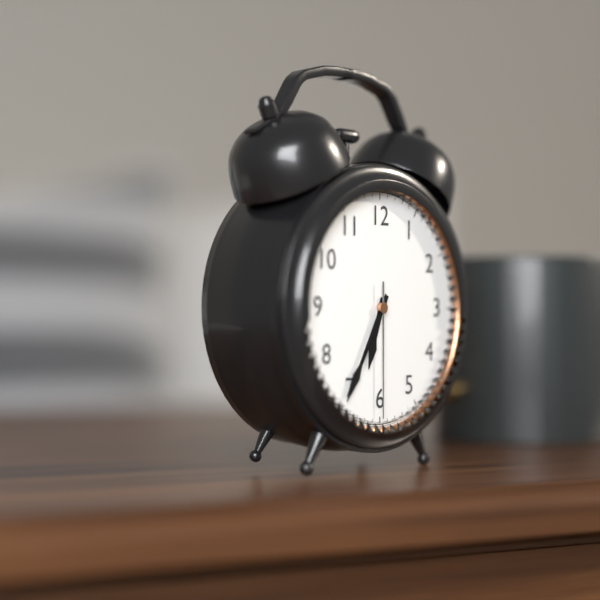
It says 6:35:30
